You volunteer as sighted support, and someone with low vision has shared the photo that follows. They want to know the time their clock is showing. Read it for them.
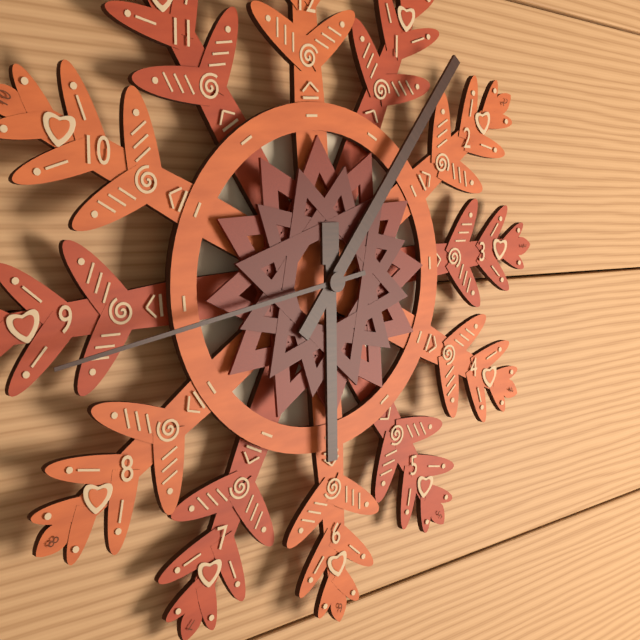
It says 6:07:44
